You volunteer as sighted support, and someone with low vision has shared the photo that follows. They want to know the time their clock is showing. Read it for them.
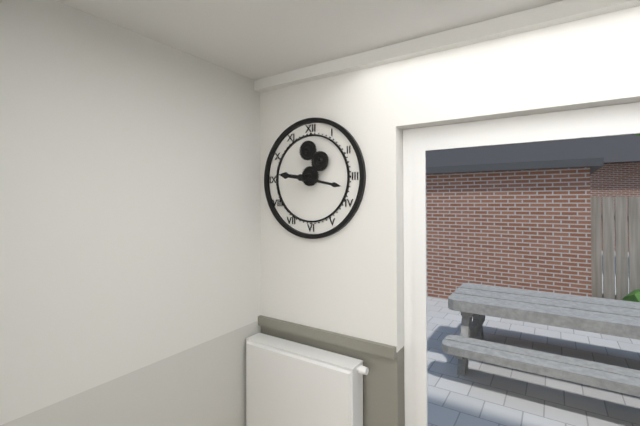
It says 9:17
